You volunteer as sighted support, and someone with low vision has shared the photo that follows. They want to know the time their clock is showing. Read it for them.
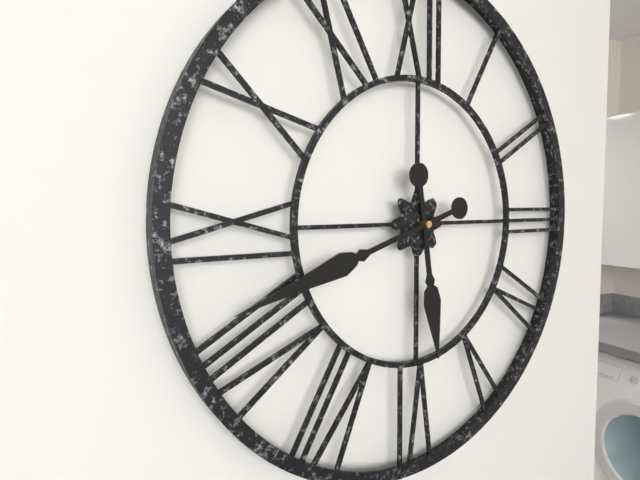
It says 5:42
